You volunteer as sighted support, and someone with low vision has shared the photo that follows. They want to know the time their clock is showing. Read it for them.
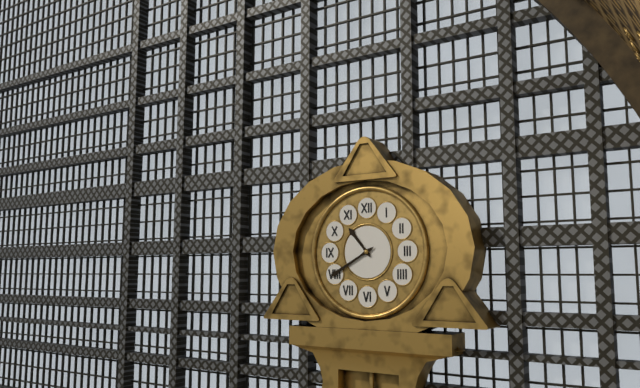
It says 10:40
